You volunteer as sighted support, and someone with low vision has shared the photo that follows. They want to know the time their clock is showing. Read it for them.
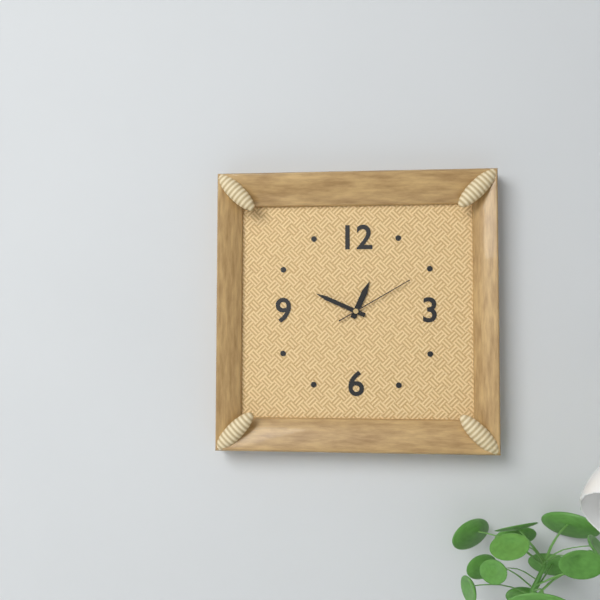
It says 12:49:10
